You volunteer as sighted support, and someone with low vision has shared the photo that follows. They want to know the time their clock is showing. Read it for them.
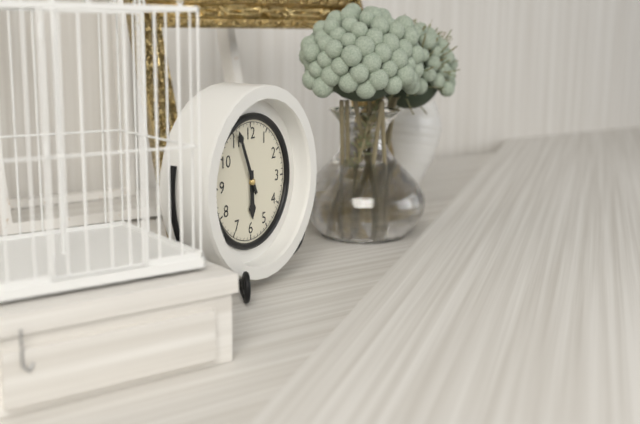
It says 5:56
